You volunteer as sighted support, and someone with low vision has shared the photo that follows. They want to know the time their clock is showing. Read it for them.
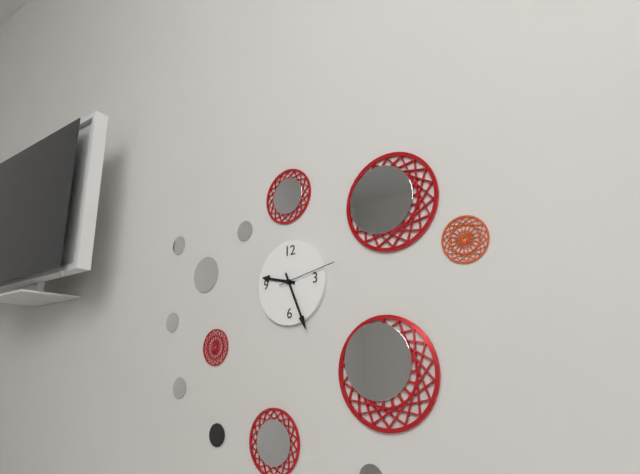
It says 9:26:13
